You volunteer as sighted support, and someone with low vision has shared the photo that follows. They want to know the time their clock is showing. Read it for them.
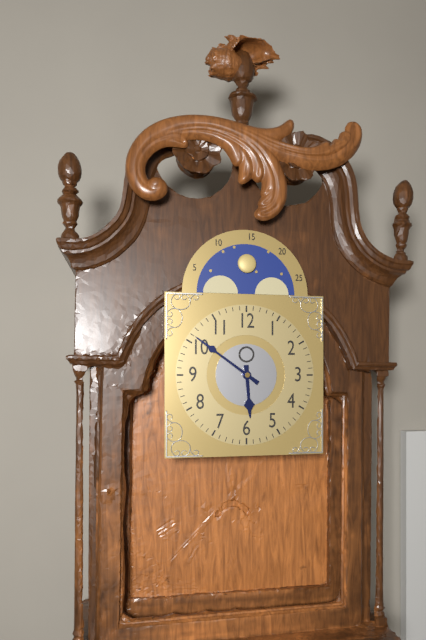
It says 5:51
